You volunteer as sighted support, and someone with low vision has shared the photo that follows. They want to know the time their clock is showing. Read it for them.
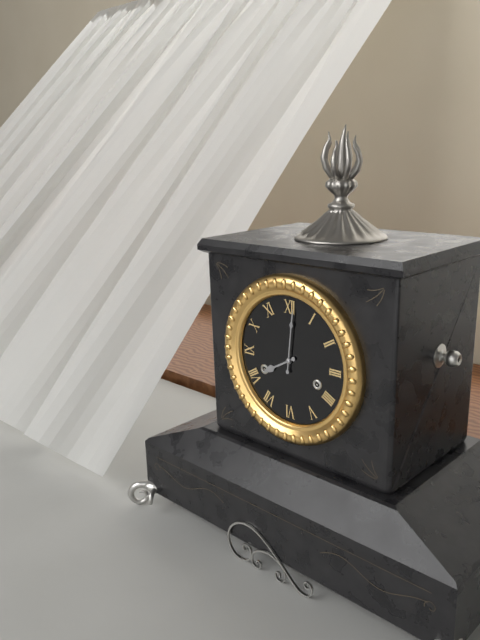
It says 8:01
